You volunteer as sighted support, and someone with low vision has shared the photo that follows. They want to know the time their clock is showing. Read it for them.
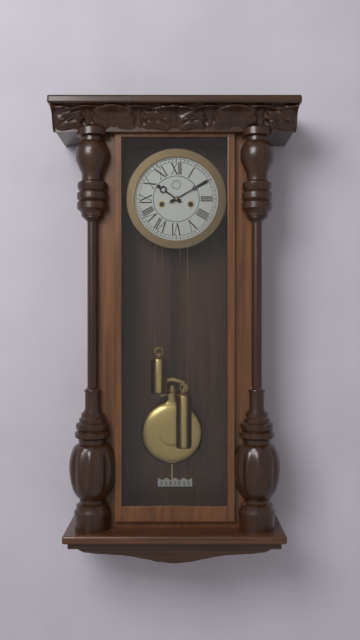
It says 10:10
